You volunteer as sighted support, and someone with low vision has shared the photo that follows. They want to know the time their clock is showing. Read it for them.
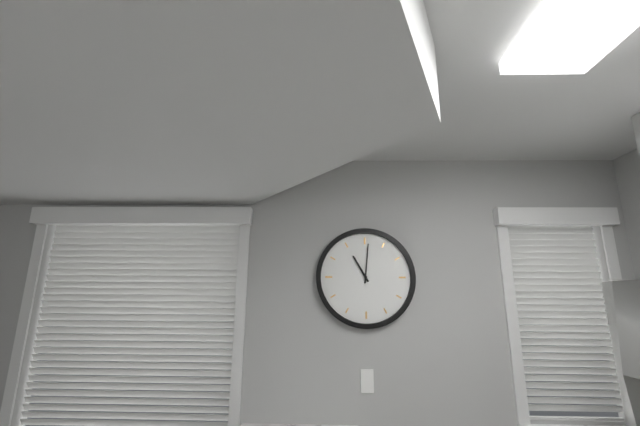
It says 11:01
